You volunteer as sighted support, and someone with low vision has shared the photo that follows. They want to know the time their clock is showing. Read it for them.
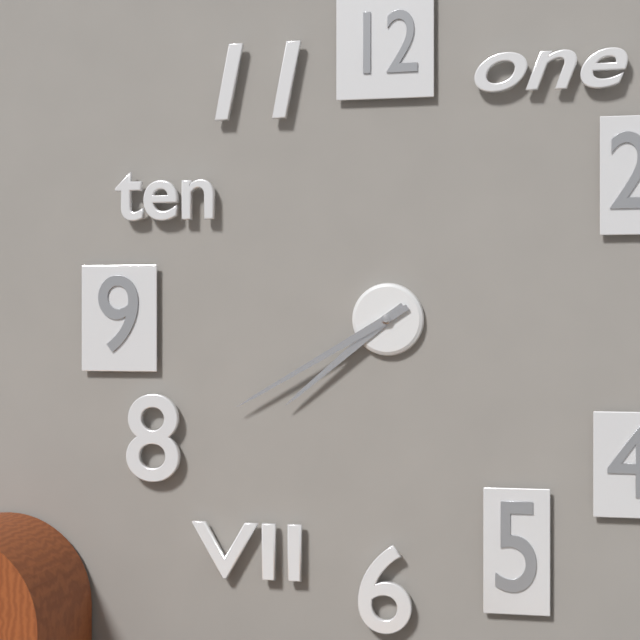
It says 7:40
